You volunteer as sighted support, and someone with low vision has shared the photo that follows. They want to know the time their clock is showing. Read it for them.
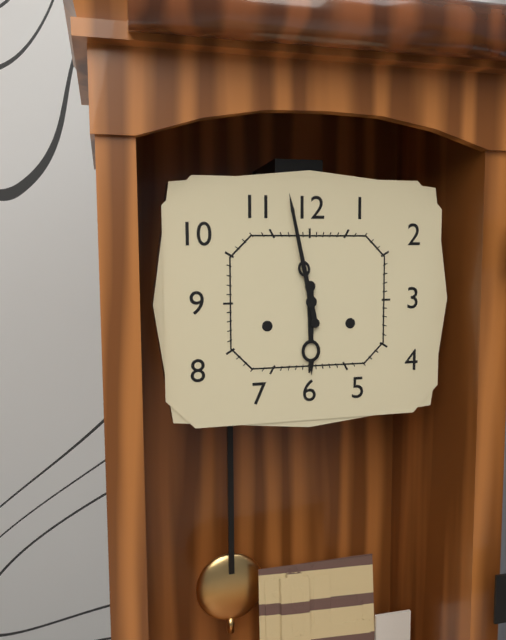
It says 5:58
